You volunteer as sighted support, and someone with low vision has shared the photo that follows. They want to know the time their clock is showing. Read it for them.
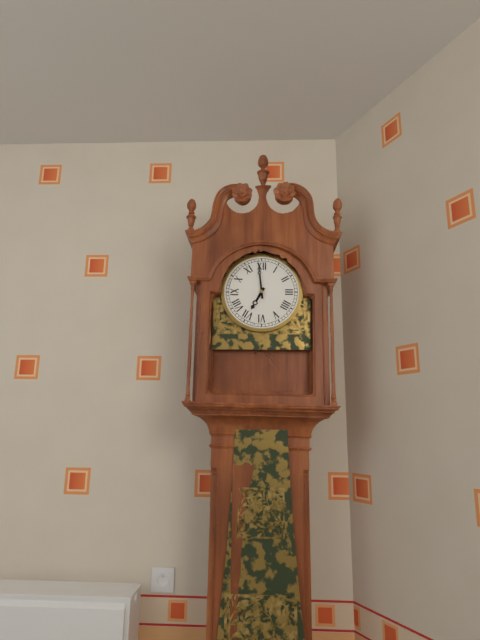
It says 6:59
